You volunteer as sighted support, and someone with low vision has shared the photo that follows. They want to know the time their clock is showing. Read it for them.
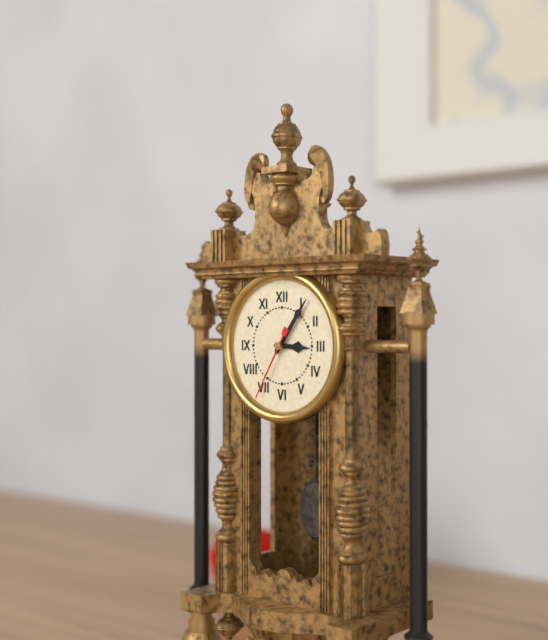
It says 3:06:35
